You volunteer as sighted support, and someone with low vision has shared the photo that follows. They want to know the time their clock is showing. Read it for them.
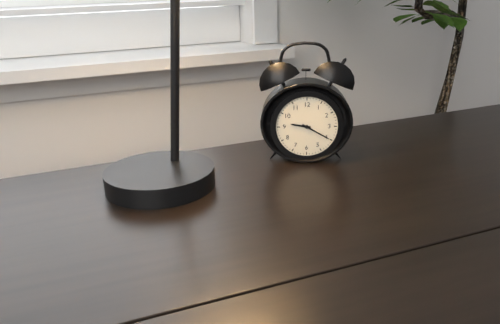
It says 9:20
